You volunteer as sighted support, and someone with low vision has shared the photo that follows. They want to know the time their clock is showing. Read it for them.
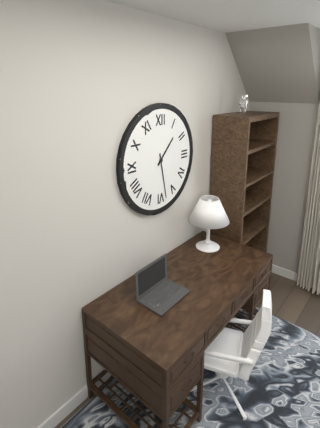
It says 1:28
